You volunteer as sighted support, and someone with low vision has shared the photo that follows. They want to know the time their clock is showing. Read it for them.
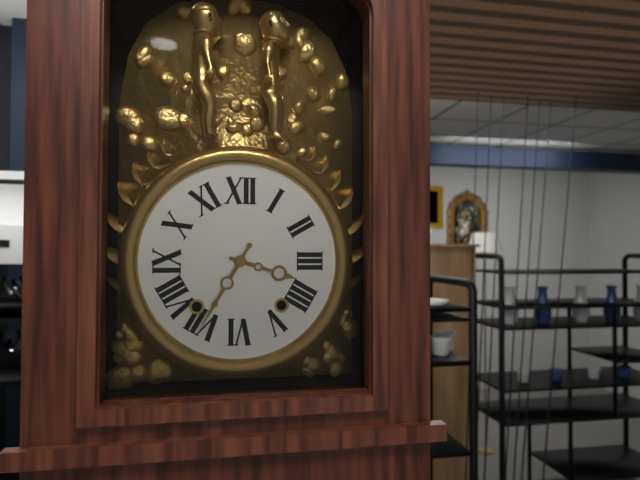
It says 3:35
